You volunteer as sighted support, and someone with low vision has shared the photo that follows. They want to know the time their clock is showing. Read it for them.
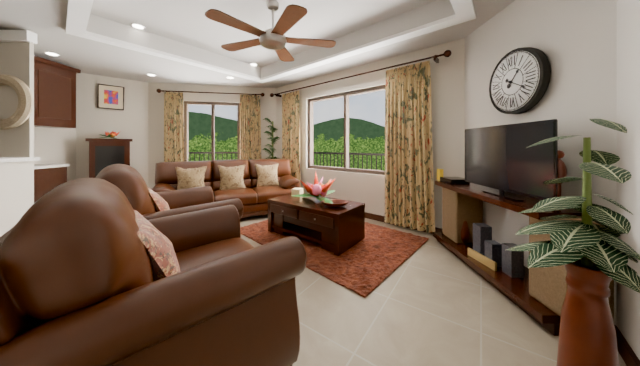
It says 1:20
